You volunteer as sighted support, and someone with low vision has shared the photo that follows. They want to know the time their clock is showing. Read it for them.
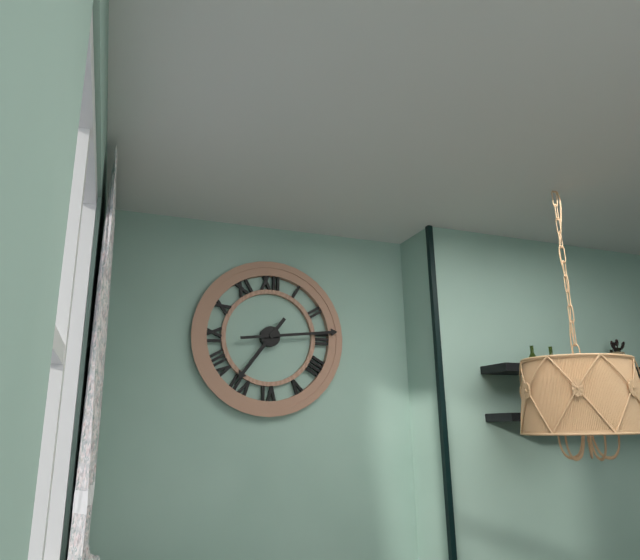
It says 7:14
